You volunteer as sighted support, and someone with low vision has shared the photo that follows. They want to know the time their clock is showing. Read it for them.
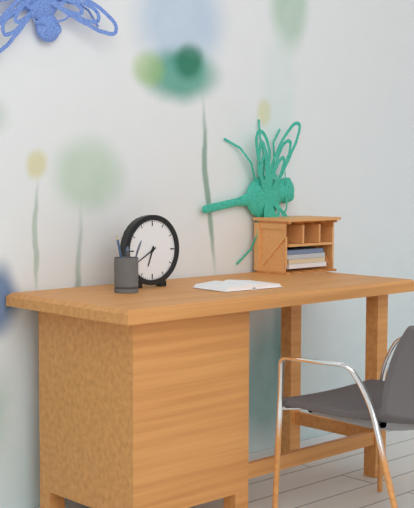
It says 6:40
